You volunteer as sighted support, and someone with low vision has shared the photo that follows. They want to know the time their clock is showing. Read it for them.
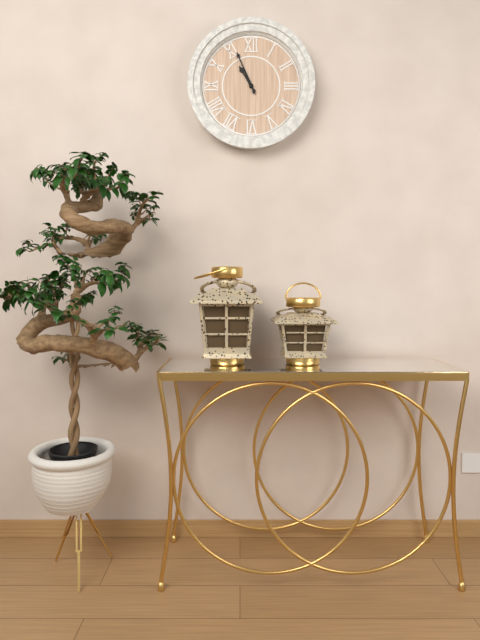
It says 10:56
